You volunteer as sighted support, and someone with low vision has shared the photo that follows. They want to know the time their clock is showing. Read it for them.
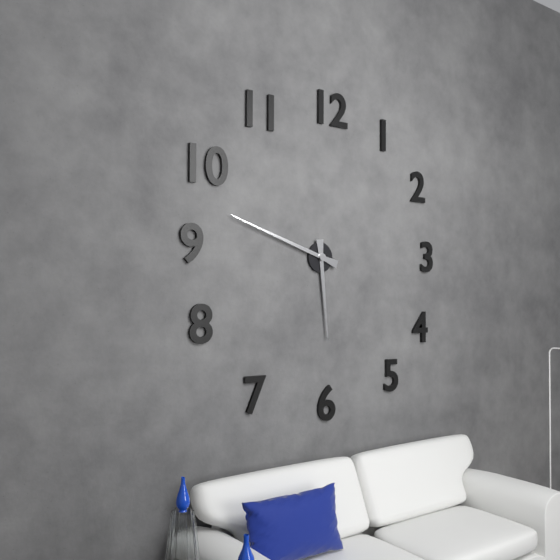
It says 5:48
